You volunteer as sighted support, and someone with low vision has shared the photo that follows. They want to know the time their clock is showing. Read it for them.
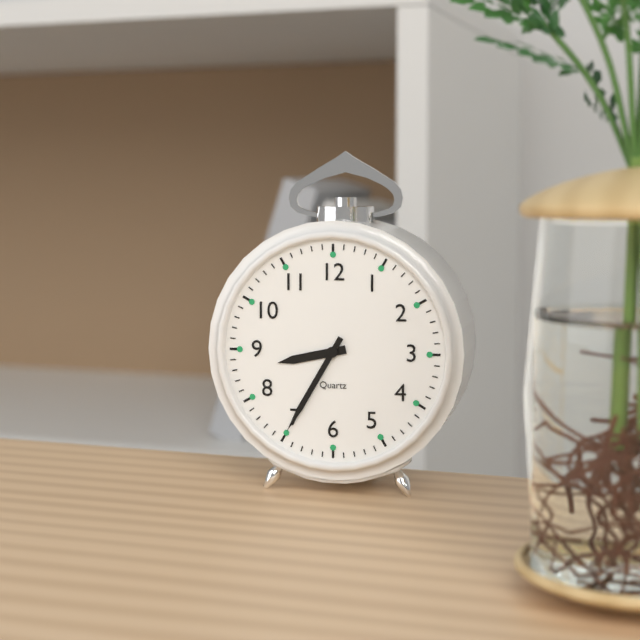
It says 8:35
